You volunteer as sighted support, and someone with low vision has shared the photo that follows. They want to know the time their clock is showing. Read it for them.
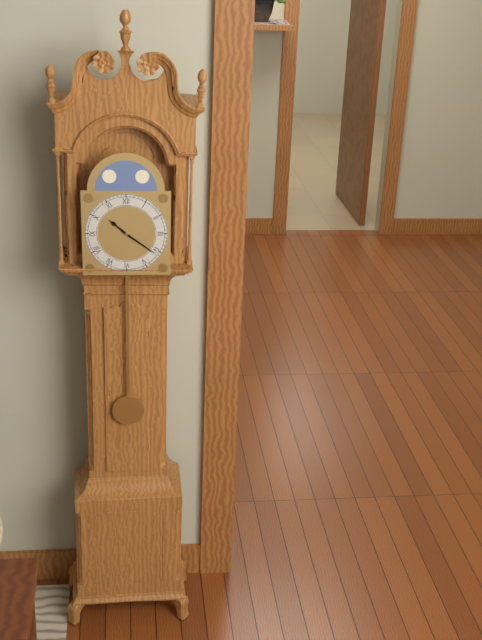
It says 10:21
